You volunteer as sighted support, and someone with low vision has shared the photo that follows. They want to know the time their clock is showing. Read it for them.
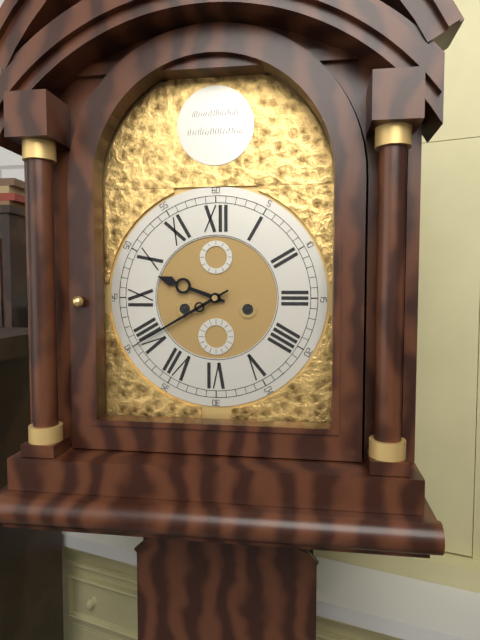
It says 9:40
